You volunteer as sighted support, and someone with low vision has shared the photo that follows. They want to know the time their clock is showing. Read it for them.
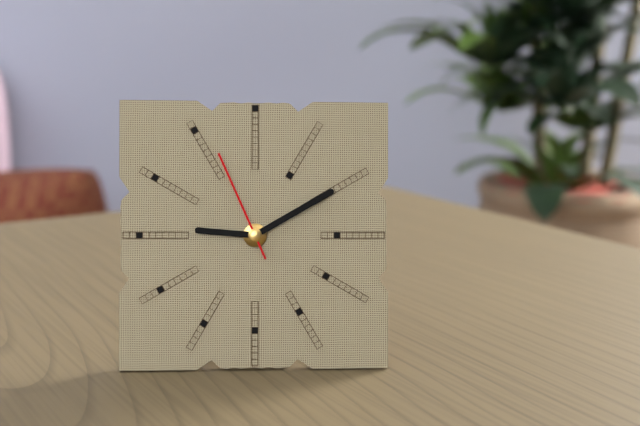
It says 9:10:56
